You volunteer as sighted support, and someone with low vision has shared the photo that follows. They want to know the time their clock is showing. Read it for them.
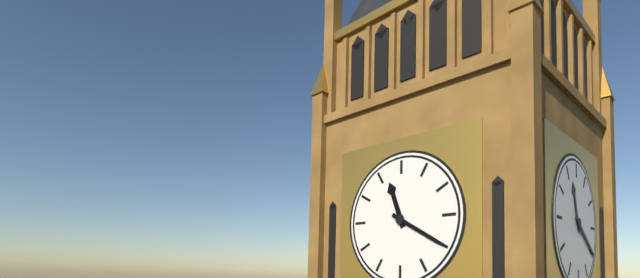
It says 11:20
